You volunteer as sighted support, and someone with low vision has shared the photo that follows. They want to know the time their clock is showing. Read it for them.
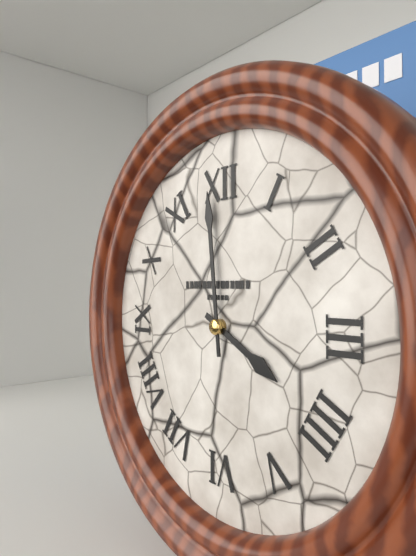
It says 3:59
